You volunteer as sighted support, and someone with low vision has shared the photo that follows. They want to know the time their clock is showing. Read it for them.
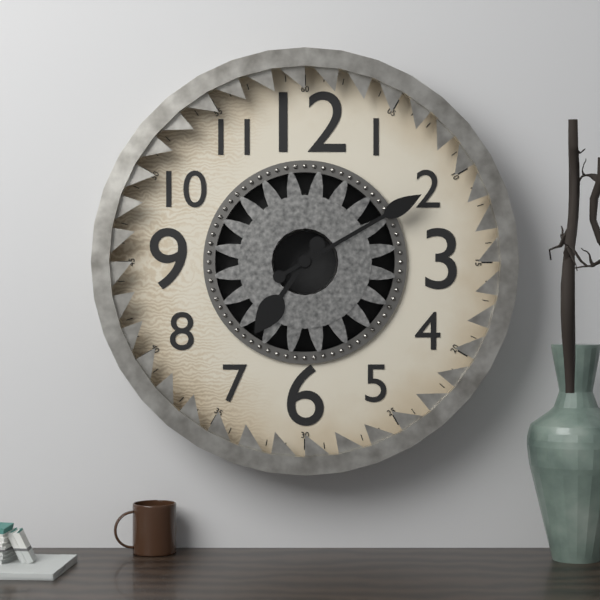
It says 7:10
